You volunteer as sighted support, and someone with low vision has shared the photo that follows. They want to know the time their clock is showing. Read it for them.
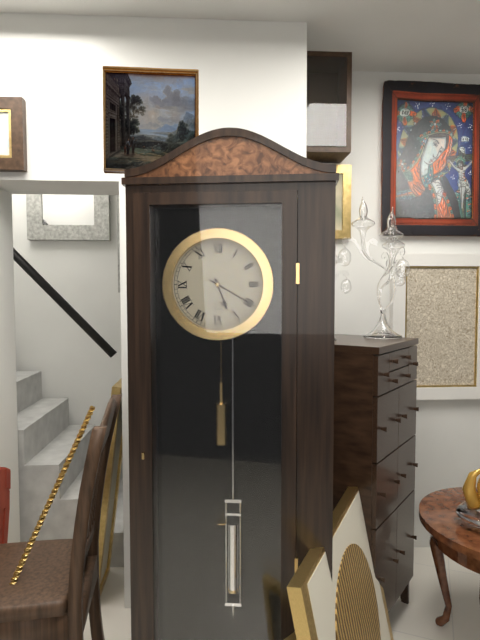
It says 5:20
